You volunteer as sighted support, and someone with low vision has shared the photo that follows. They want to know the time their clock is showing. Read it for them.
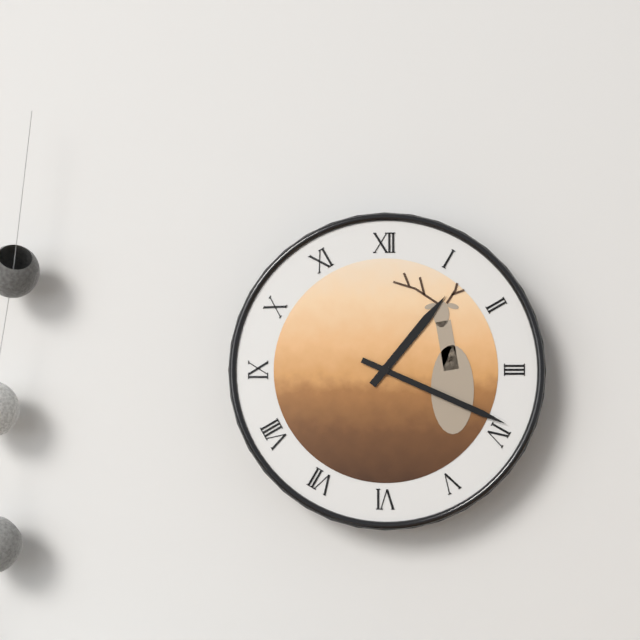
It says 1:19
